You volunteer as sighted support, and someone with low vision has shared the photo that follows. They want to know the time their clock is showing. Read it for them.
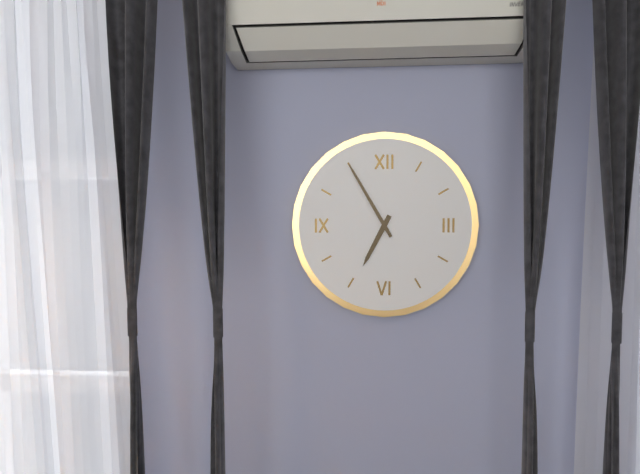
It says 6:55
